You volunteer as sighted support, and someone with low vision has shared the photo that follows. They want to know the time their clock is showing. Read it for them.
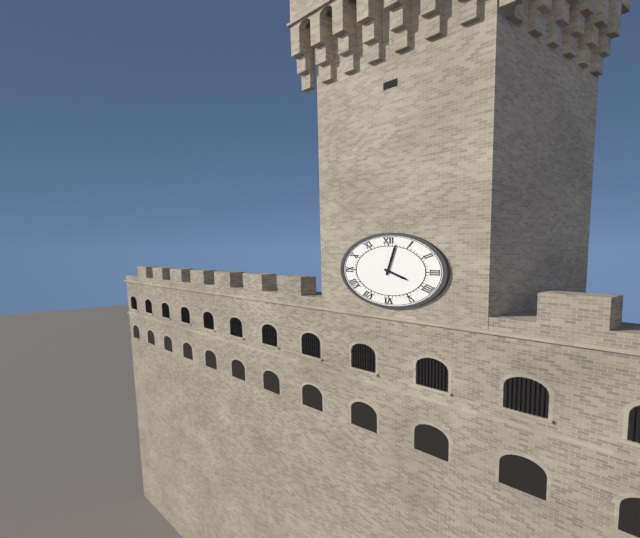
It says 4:02
